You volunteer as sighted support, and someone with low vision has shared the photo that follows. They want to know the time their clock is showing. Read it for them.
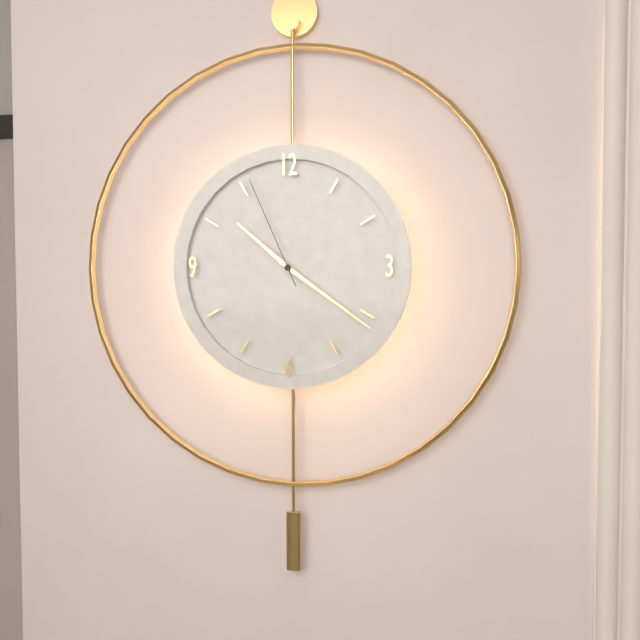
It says 10:21:56
